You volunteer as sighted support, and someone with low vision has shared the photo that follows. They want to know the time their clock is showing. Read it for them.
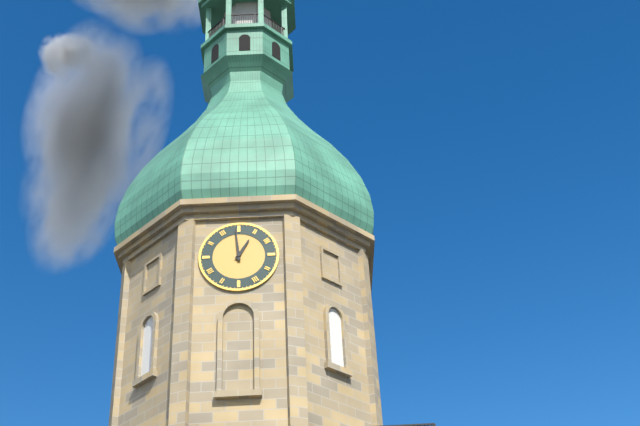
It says 12:59
